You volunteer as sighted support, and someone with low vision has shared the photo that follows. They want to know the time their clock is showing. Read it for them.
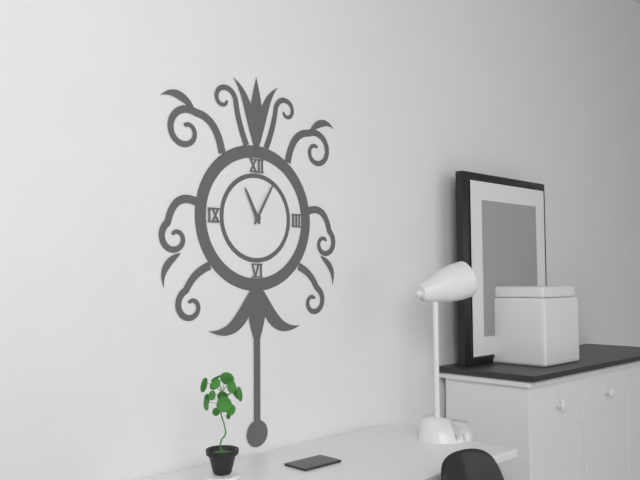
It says 11:05
